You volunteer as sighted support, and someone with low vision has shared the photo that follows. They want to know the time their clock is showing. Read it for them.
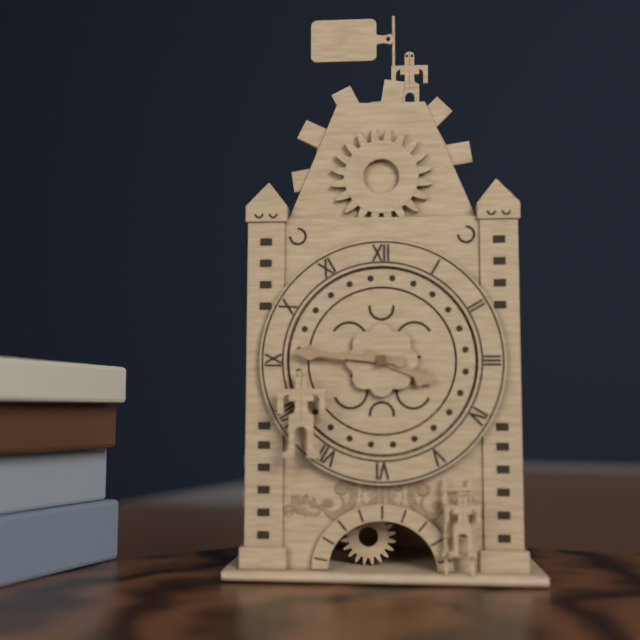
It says 3:46
